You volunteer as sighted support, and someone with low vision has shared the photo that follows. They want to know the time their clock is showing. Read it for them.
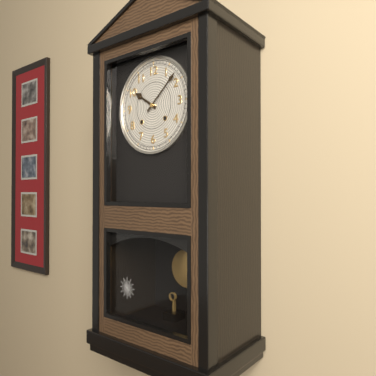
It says 10:08
